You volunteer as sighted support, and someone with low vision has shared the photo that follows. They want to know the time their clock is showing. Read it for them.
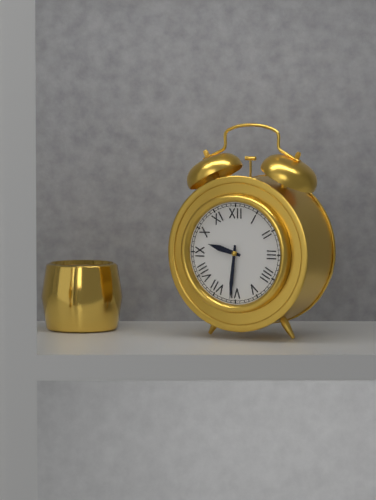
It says 9:31
